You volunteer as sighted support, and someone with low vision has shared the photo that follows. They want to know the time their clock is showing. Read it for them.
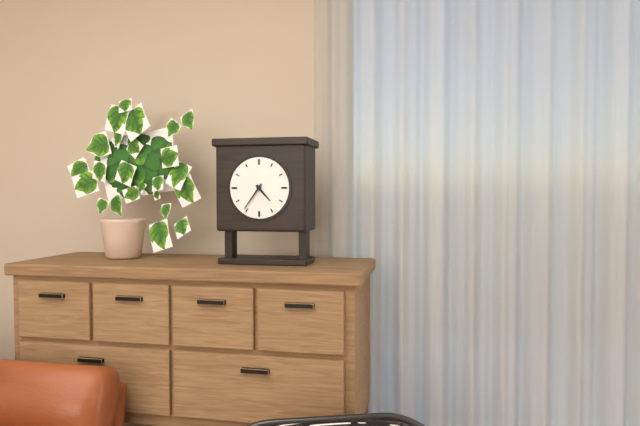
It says 4:36
